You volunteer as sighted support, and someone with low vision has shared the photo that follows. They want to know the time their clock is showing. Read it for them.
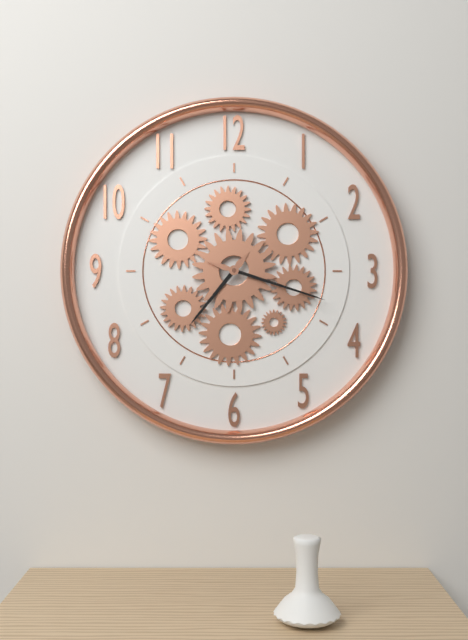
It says 7:18
